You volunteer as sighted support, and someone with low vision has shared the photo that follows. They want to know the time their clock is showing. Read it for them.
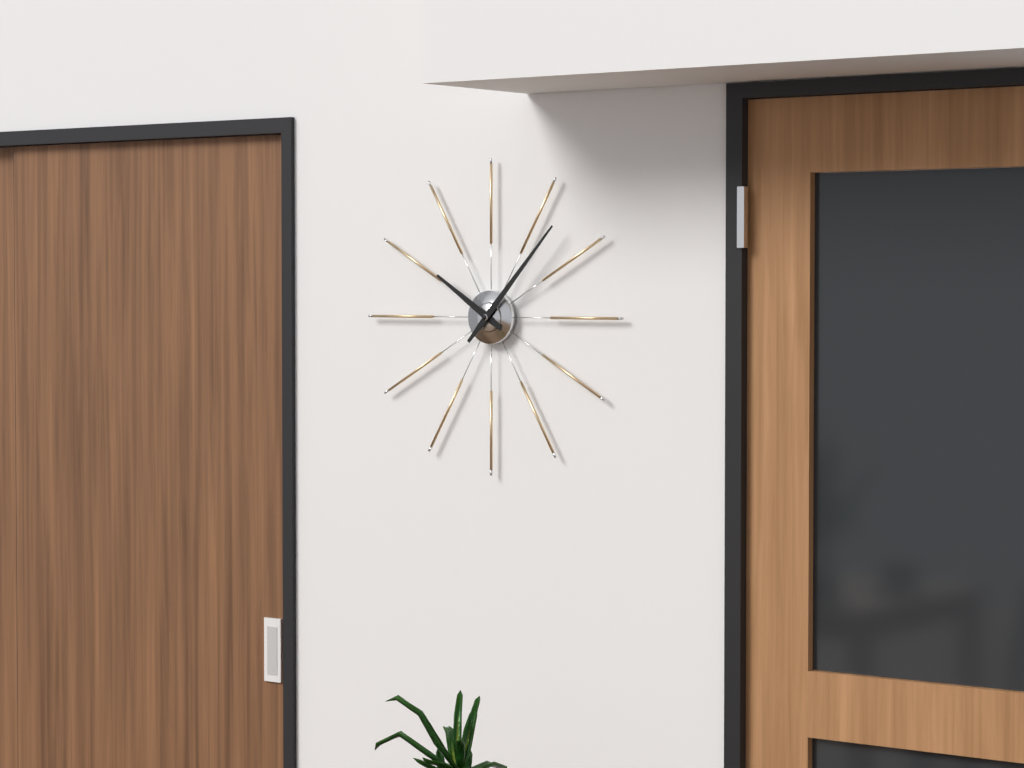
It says 10:07
